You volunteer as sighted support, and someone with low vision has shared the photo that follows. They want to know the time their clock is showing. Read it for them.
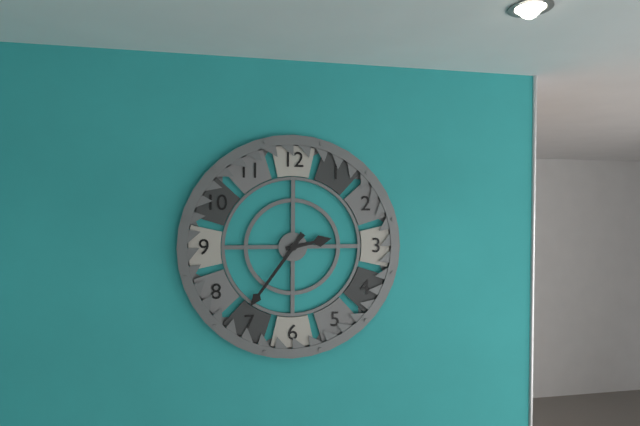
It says 2:36
